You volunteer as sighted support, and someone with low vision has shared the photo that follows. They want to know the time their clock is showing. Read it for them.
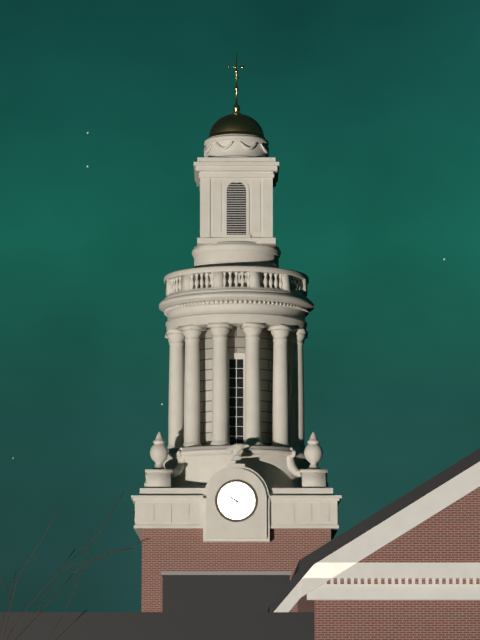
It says 10:05
